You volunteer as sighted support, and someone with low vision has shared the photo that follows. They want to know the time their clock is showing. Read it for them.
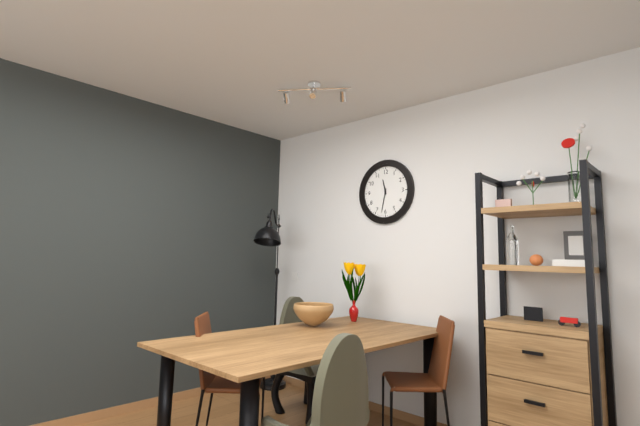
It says 11:32
